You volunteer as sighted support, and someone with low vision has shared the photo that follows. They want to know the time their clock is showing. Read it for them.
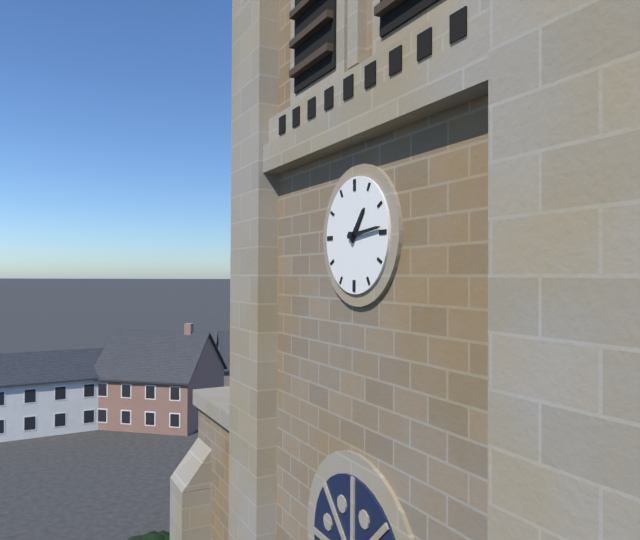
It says 1:14
